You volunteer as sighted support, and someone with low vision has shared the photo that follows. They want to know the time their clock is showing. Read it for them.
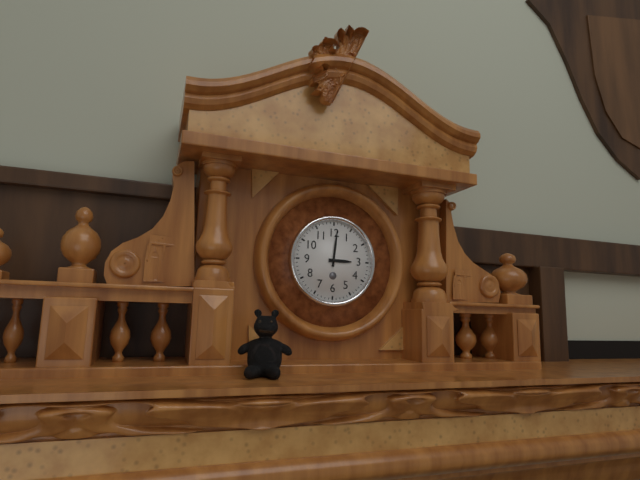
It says 3:01
